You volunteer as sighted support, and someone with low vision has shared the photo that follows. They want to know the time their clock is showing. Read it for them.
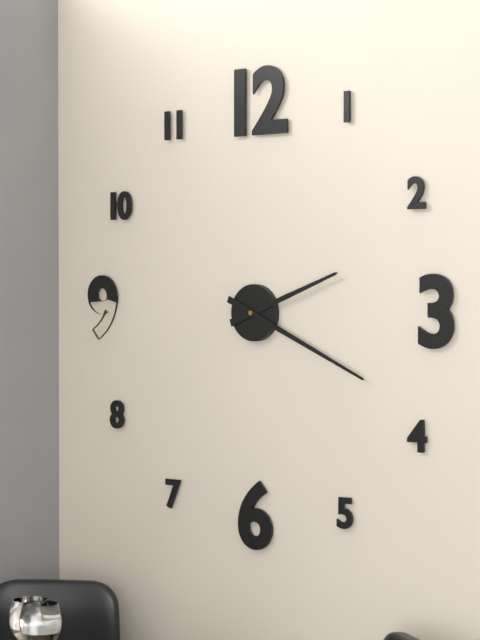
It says 2:19
